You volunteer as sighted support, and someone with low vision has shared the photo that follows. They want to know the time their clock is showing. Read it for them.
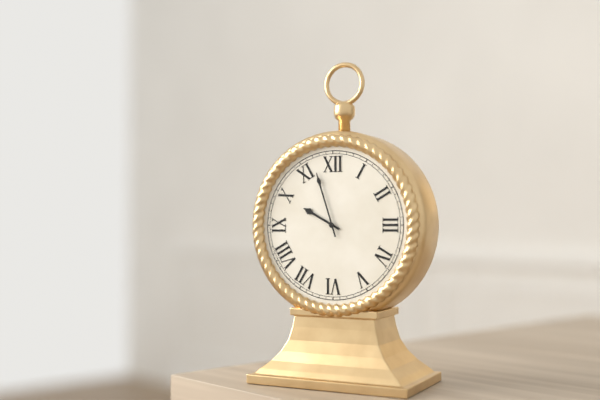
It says 9:57
